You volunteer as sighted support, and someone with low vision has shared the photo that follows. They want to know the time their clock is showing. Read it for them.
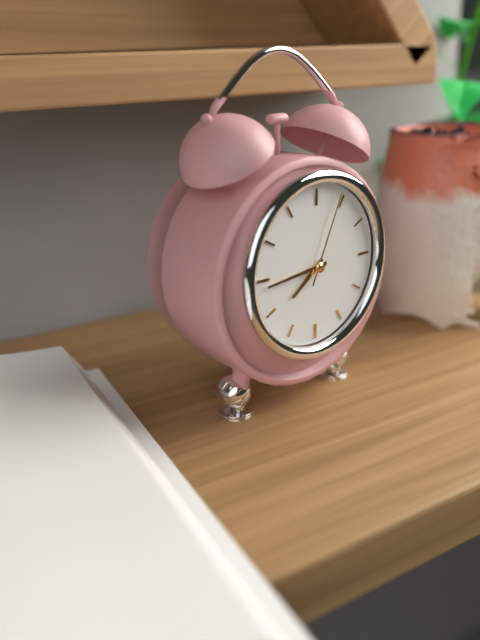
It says 7:44:04
